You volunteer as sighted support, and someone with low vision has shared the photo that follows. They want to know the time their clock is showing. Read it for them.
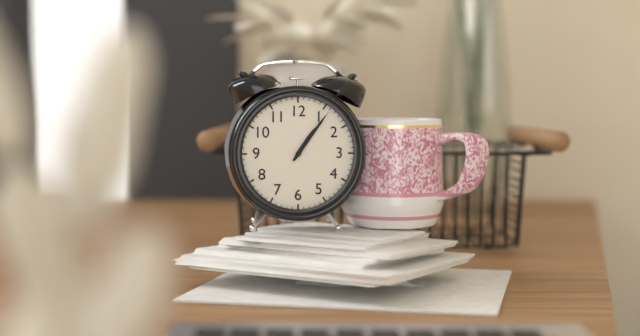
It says 1:06
